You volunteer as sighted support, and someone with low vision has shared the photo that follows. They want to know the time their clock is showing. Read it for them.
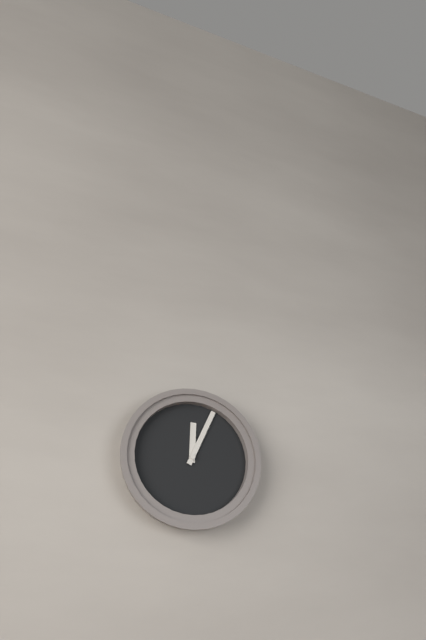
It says 12:04
